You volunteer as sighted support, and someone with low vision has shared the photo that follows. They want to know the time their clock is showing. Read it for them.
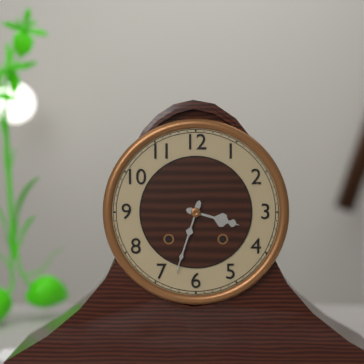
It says 3:33
